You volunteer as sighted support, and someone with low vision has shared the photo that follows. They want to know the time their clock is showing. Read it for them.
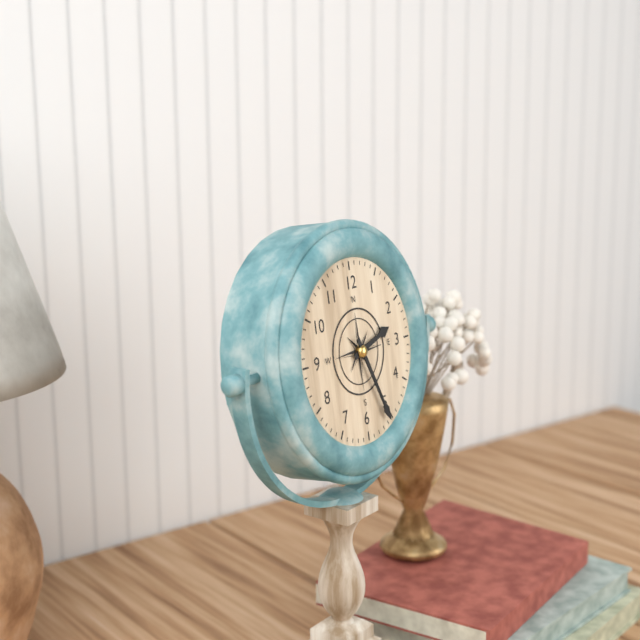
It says 2:26
